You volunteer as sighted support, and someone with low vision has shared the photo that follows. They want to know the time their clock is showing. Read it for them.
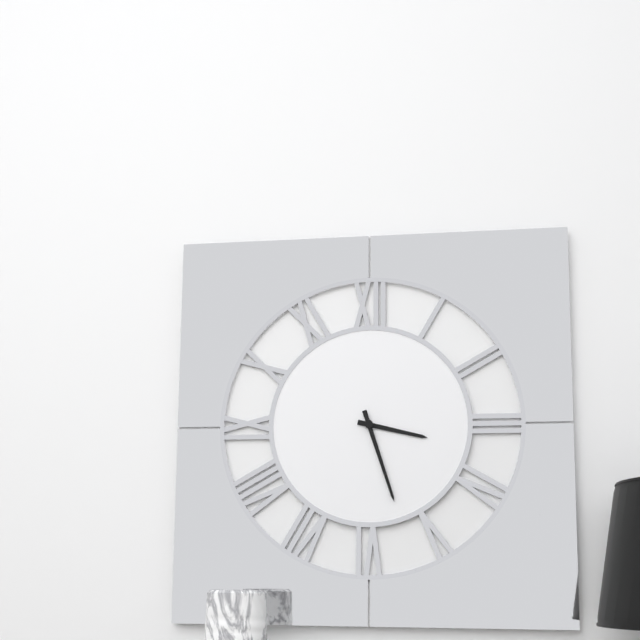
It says 3:27
